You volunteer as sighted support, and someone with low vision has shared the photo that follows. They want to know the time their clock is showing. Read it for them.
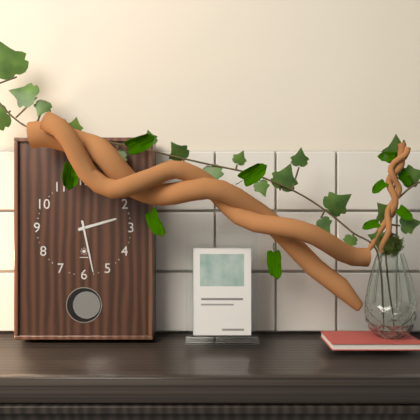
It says 2:28
